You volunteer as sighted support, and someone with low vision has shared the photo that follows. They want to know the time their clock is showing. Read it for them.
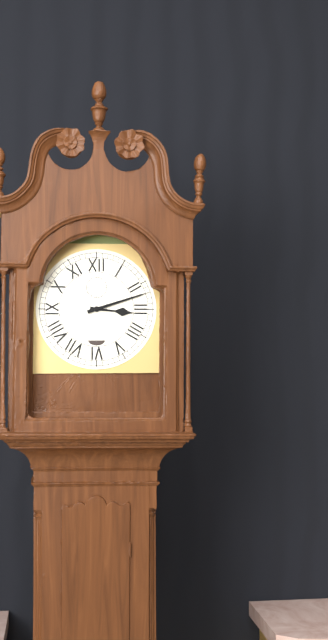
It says 3:12
